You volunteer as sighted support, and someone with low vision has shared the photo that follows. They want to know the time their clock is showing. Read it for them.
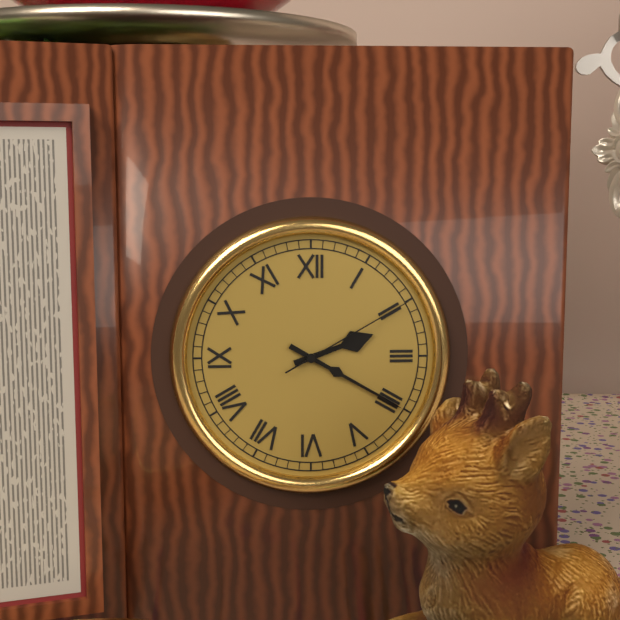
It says 2:20:10
